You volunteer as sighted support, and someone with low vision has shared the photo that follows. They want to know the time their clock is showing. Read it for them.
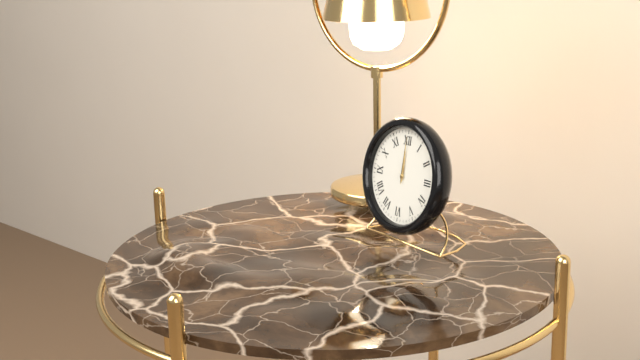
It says 12:00
